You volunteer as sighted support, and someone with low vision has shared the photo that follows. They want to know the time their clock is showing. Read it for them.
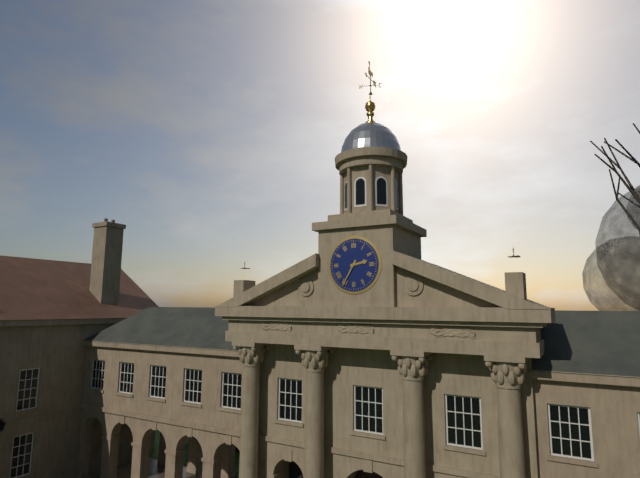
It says 2:35
